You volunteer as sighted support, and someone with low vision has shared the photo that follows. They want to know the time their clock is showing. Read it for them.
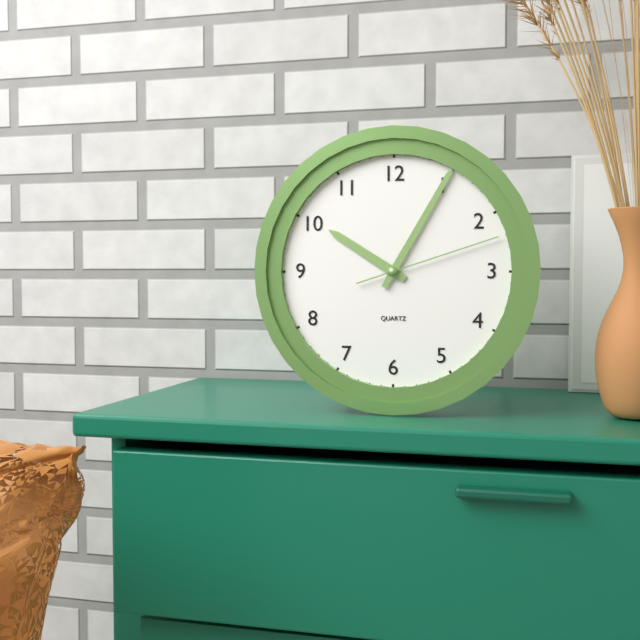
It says 10:05:12
